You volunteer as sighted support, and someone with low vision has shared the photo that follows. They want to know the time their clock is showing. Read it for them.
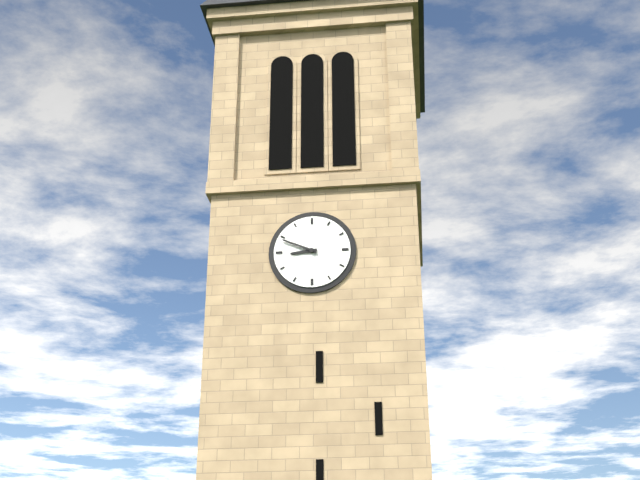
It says 8:49
